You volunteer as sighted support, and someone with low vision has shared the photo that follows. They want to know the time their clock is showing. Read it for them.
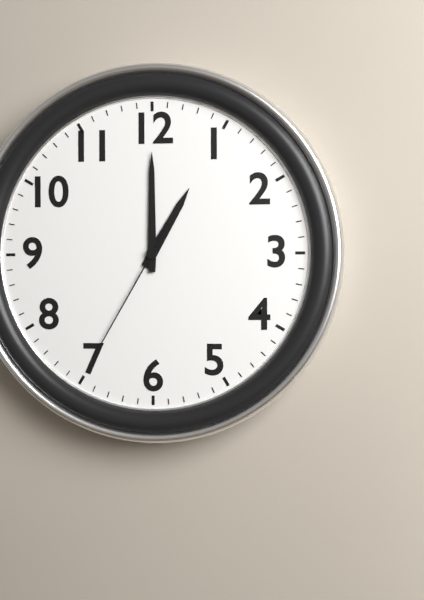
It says 1:00:35
